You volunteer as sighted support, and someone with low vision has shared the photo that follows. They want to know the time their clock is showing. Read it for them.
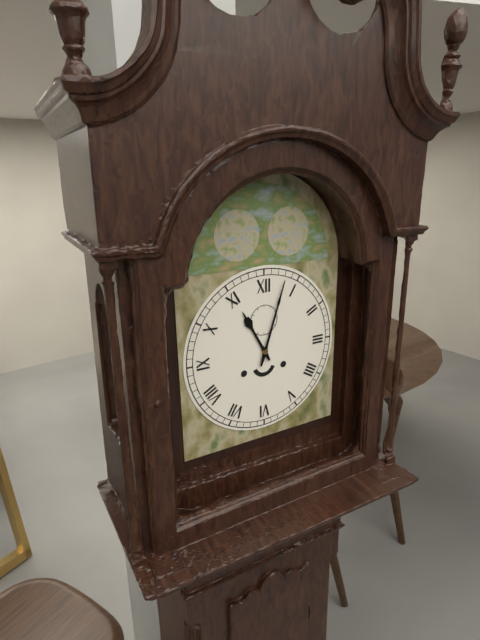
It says 11:03
